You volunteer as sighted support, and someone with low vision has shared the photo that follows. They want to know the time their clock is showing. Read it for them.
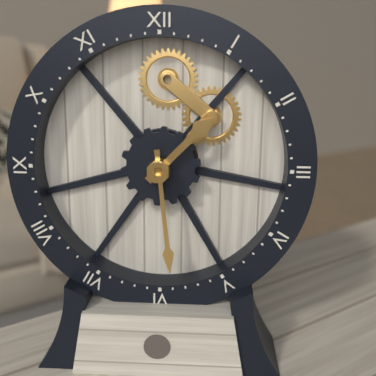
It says 1:29
